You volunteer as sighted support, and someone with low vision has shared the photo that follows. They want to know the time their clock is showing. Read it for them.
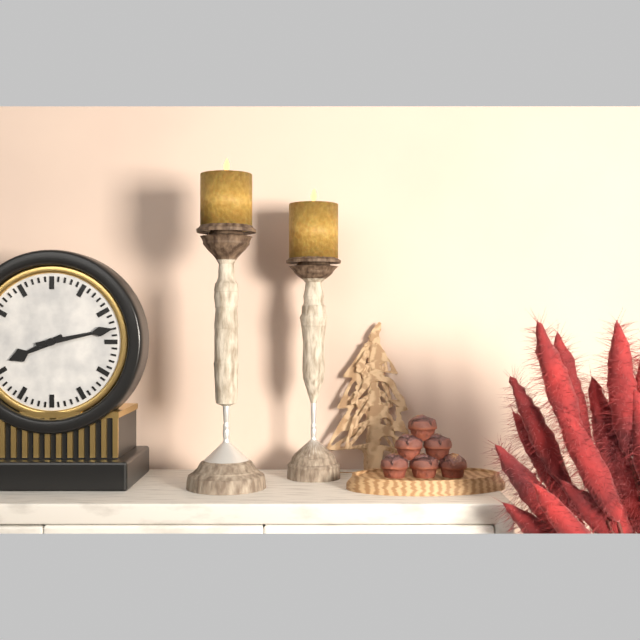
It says 8:13
